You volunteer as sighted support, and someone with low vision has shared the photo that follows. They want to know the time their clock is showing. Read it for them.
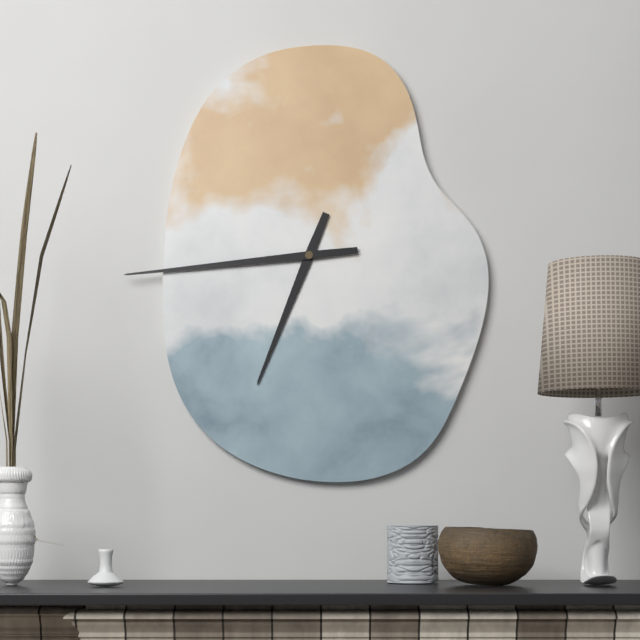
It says 6:44
